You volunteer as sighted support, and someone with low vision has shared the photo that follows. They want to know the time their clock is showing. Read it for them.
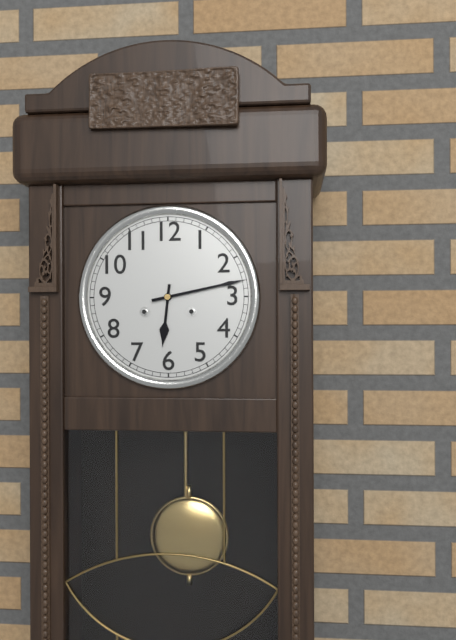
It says 6:13
